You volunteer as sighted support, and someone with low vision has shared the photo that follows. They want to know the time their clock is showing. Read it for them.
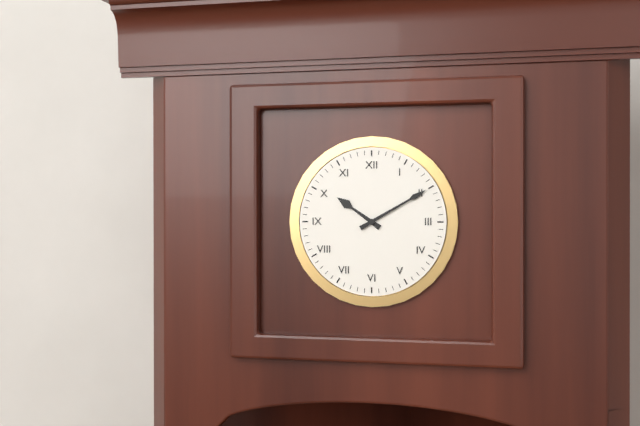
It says 10:10
